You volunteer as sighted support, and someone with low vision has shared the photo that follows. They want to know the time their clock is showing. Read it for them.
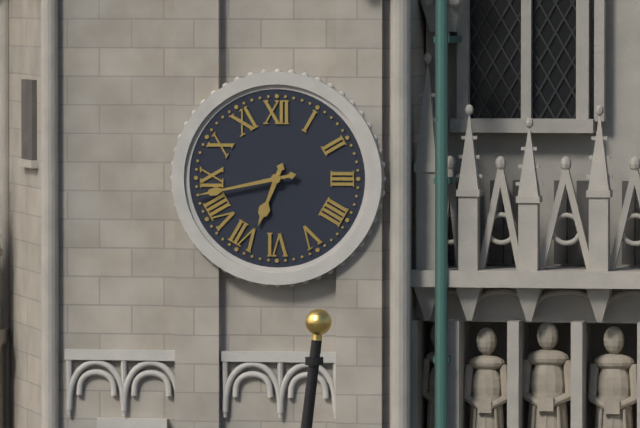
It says 6:43
